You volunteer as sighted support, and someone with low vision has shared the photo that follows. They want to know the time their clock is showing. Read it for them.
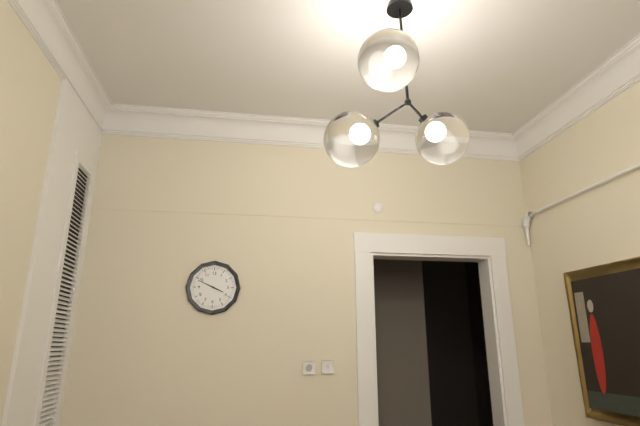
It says 3:49
